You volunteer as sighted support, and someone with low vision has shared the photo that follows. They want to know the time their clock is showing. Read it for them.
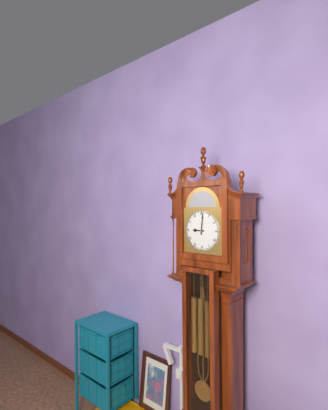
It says 9:01
